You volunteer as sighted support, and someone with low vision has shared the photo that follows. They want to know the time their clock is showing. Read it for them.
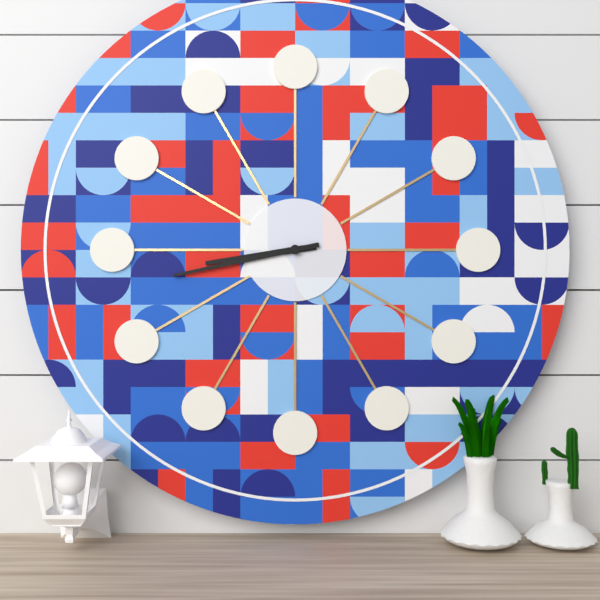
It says 8:43
